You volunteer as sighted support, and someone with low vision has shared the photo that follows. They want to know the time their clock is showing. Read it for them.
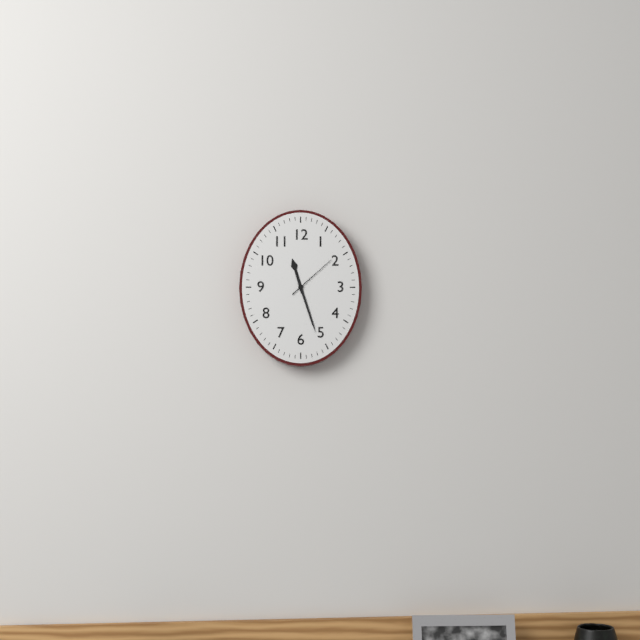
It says 11:27:08
